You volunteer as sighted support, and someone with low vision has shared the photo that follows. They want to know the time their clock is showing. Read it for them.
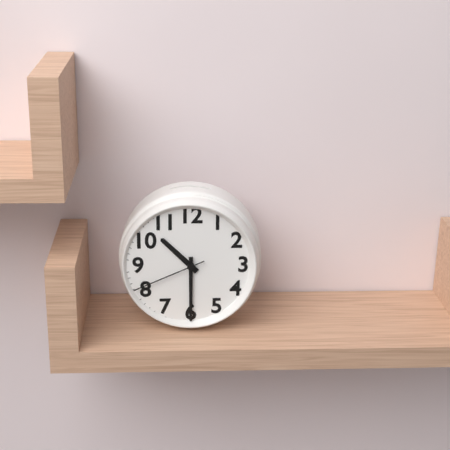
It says 10:30:41
